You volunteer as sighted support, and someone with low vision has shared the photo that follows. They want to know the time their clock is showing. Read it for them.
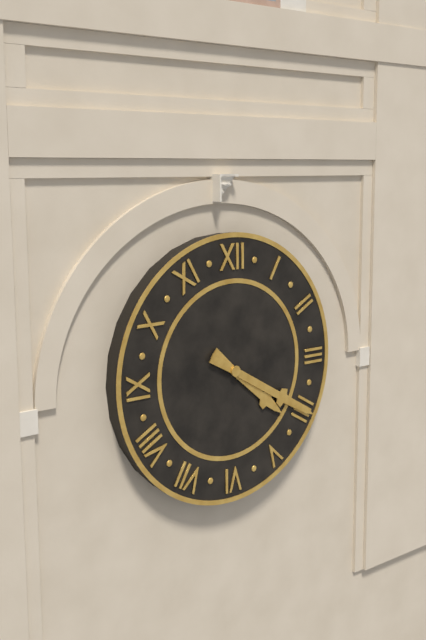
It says 4:20
